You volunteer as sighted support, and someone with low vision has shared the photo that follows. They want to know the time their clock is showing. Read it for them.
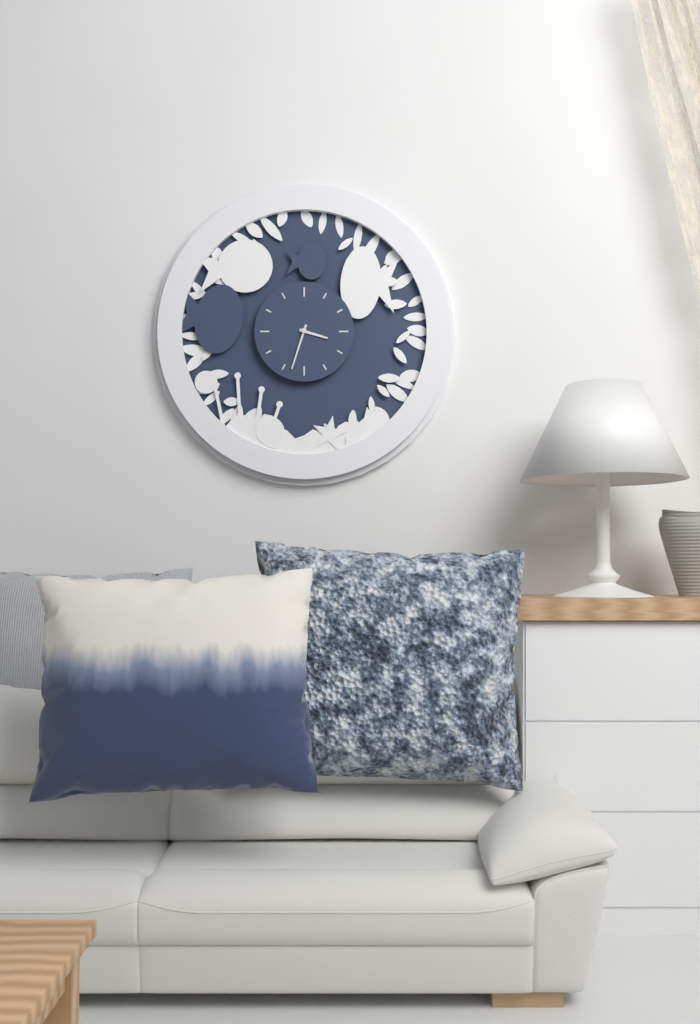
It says 3:33
